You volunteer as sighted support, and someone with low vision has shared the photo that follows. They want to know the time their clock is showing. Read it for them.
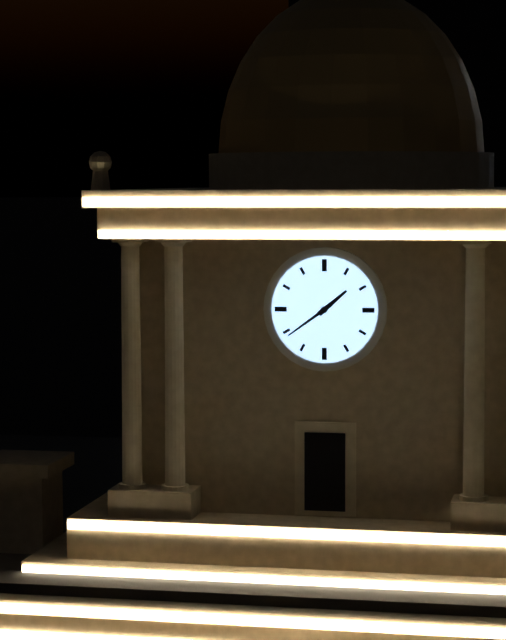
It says 1:39
